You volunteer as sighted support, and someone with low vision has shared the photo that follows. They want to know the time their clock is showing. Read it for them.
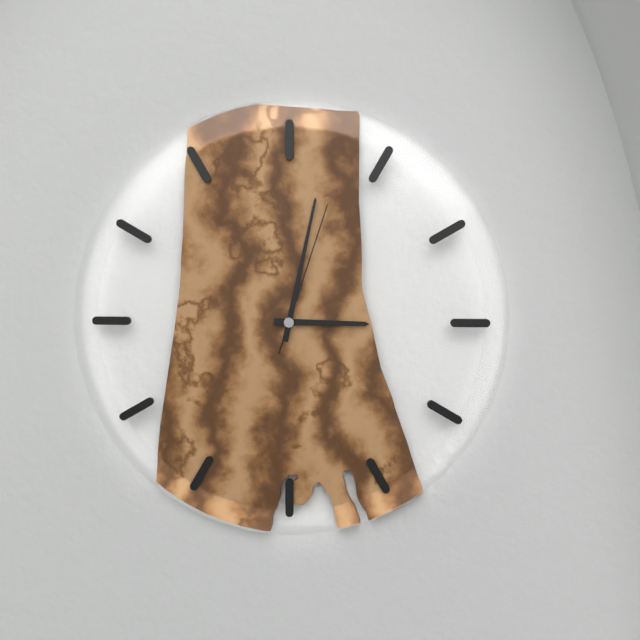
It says 3:02:03
